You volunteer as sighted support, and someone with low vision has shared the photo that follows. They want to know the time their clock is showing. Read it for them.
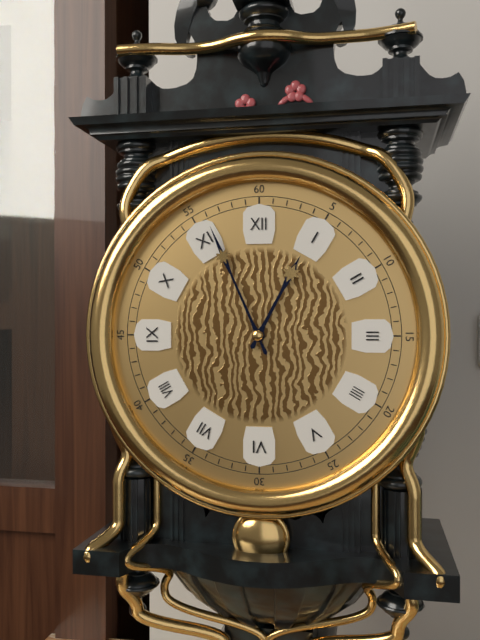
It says 12:56
